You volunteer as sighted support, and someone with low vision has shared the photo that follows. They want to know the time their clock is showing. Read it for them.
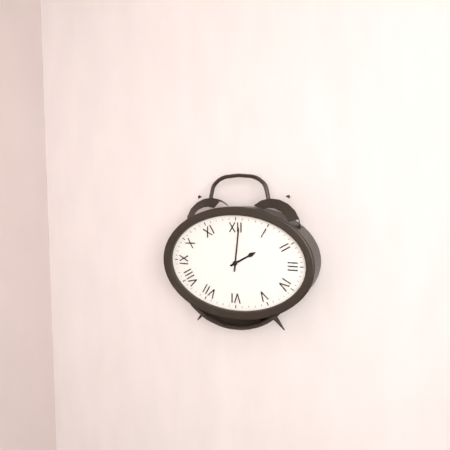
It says 2:01
